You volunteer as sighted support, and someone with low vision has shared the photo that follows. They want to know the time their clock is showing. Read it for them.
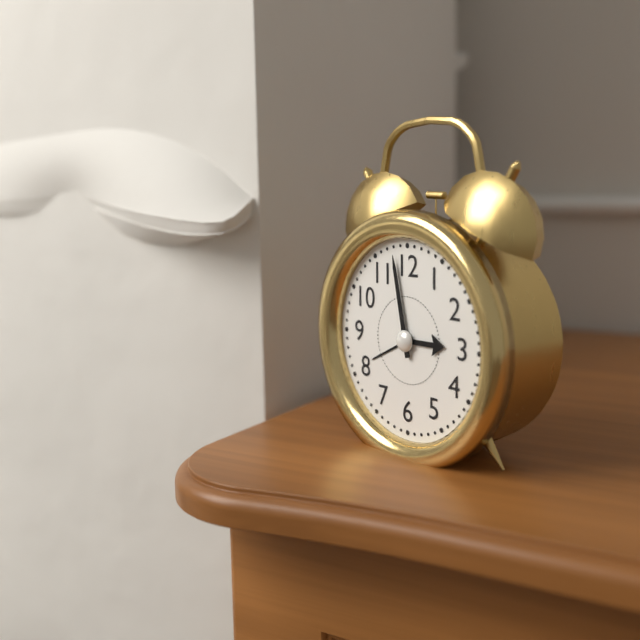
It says 2:58
